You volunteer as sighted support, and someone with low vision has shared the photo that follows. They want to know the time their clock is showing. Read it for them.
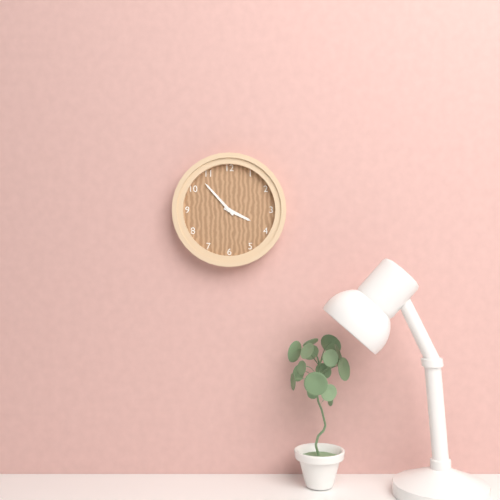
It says 3:53
